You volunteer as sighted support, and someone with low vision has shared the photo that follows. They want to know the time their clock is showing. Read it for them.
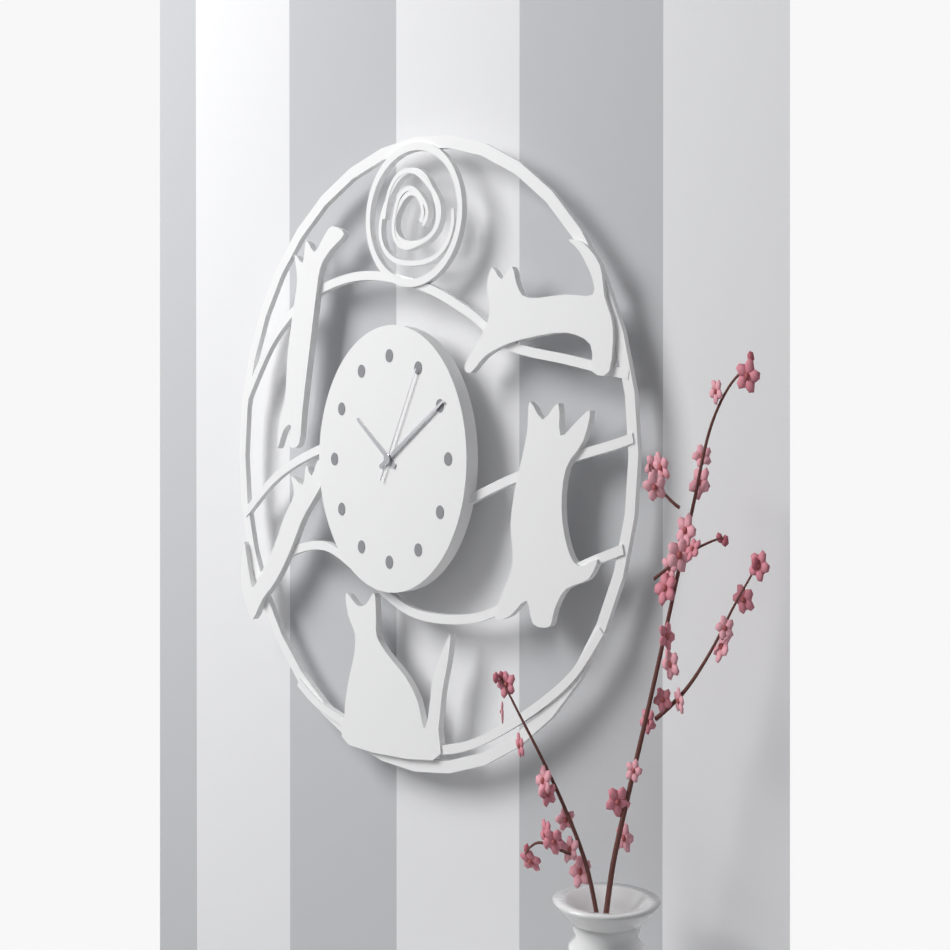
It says 10:10:05
